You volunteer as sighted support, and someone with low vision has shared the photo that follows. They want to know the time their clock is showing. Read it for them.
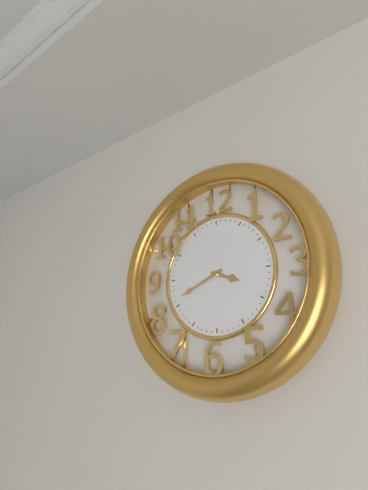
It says 3:41
